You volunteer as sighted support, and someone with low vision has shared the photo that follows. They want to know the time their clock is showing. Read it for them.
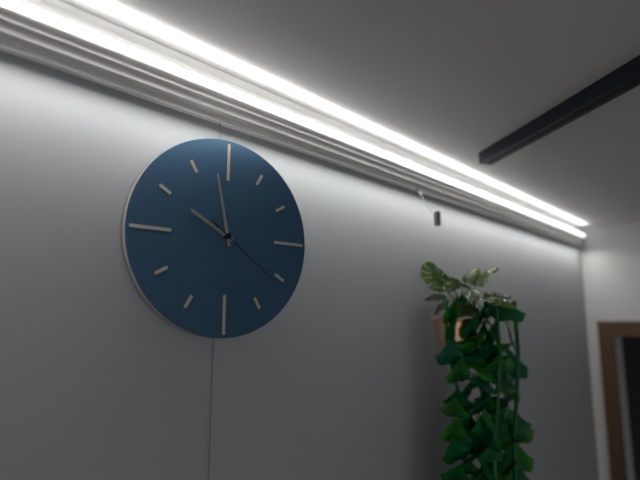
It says 9:58:21
